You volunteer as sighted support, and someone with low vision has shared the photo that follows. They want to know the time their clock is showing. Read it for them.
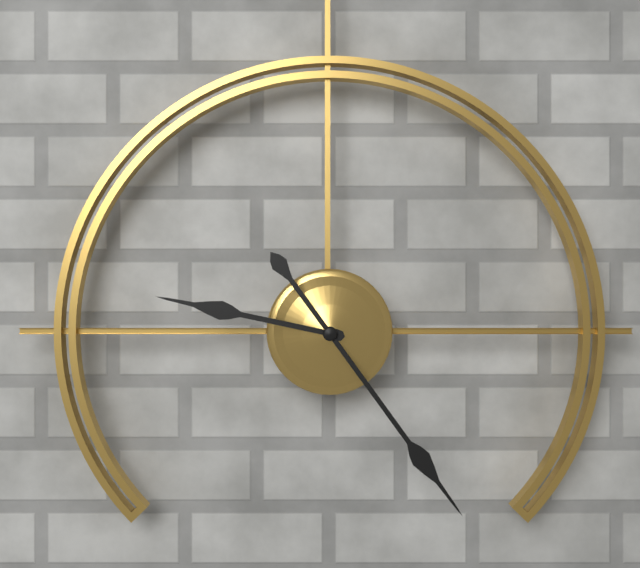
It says 9:24
